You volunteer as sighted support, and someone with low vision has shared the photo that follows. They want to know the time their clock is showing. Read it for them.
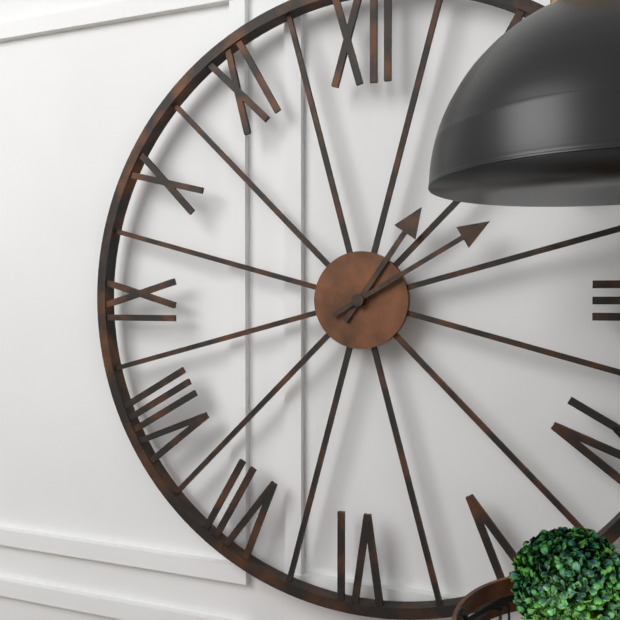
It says 1:10
